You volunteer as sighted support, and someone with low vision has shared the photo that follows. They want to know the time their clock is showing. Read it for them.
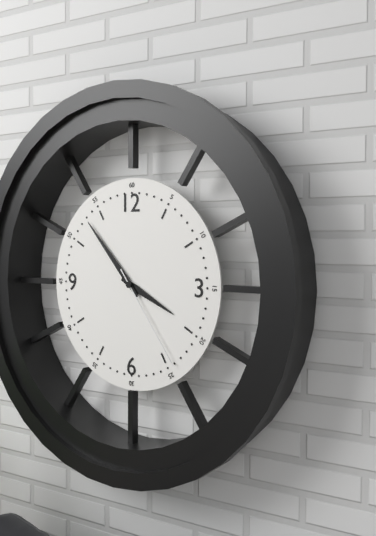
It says 3:53:24
